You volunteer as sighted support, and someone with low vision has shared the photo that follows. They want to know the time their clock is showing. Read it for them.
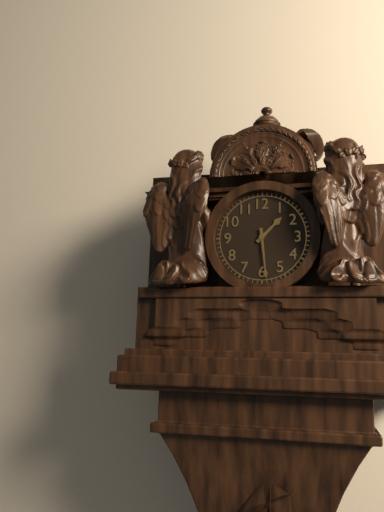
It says 1:29
